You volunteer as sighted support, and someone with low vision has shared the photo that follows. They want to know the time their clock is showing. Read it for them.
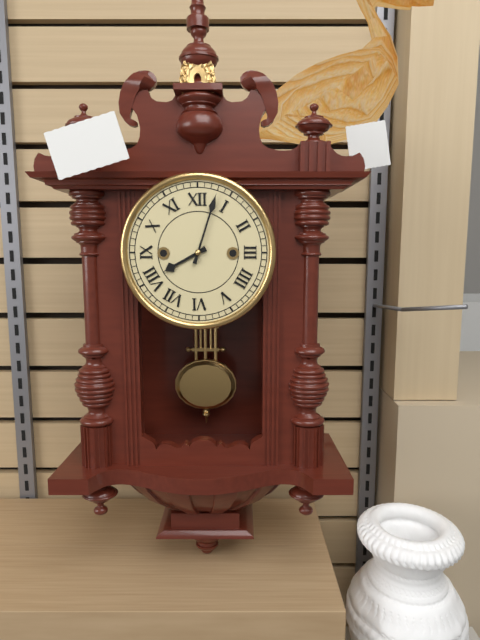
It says 8:03
